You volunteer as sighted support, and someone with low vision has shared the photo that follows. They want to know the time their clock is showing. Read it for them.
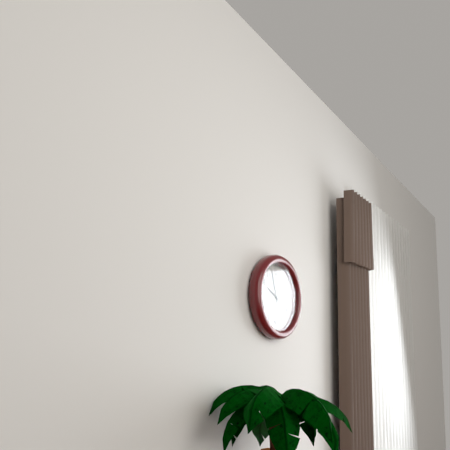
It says 9:57
